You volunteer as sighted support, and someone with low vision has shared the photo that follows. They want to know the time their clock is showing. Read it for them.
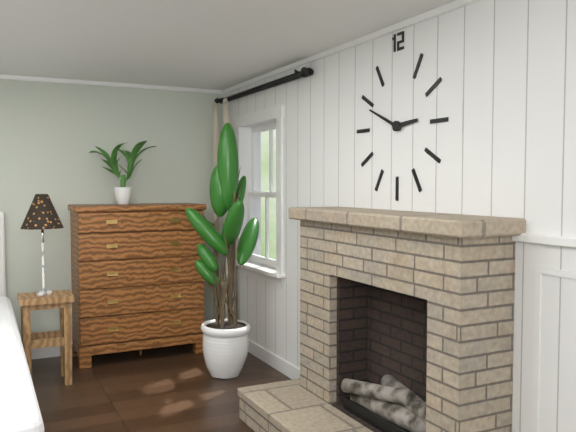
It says 2:49
